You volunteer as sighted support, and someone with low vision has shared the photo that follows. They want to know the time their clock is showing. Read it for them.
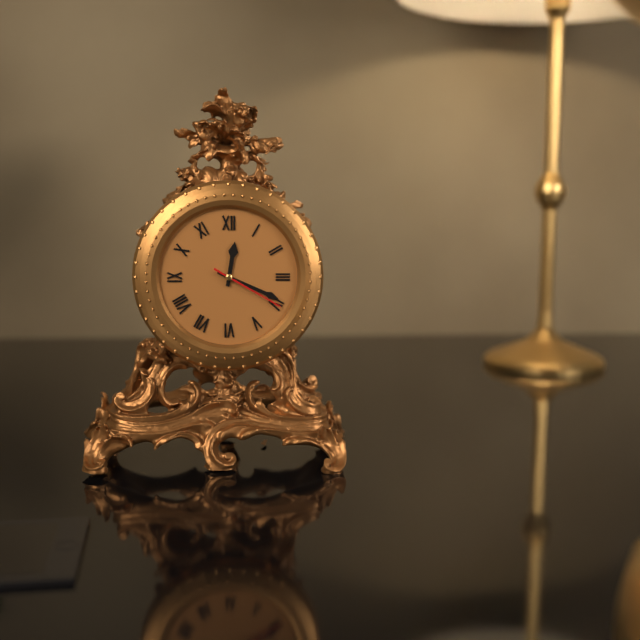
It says 12:19:20
